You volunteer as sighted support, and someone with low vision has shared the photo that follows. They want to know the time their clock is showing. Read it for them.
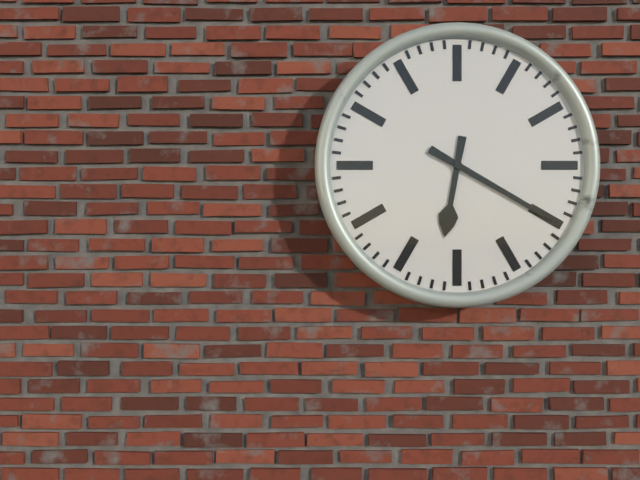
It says 6:20
